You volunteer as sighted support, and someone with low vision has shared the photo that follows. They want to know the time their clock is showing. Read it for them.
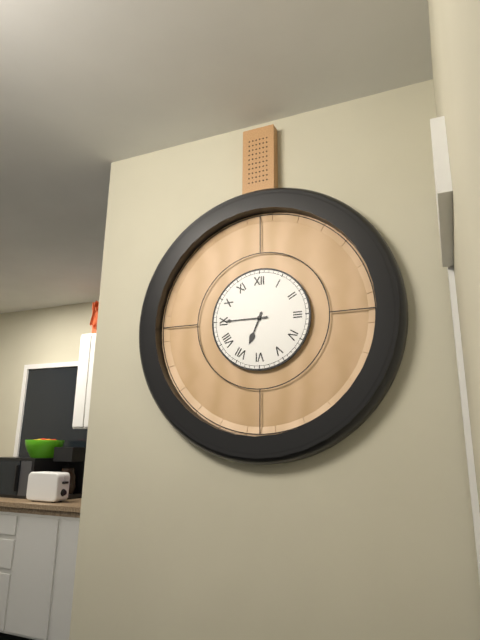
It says 6:45
